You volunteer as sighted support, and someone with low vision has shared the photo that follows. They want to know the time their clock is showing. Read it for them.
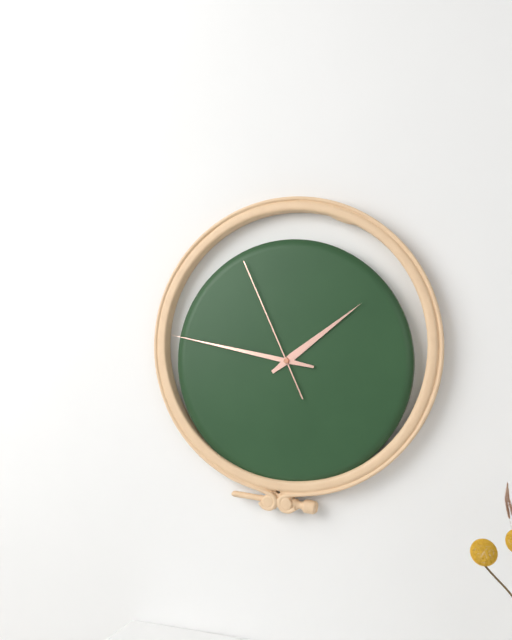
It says 1:47:56
